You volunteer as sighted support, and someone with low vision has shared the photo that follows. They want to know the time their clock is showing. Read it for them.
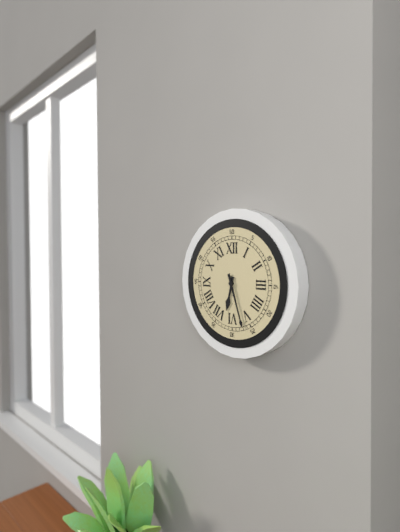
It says 6:27
